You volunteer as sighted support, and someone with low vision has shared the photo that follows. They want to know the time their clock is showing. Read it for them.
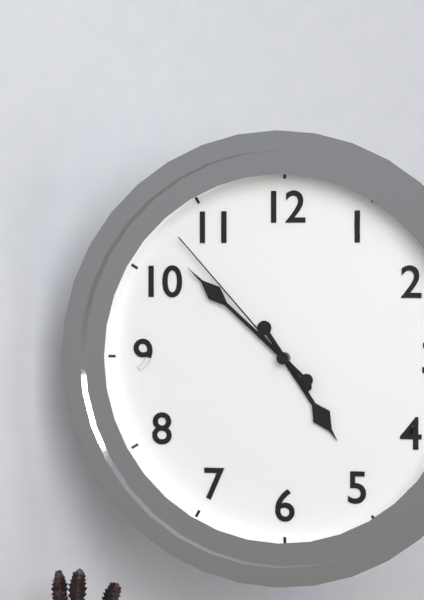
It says 4:52:53
